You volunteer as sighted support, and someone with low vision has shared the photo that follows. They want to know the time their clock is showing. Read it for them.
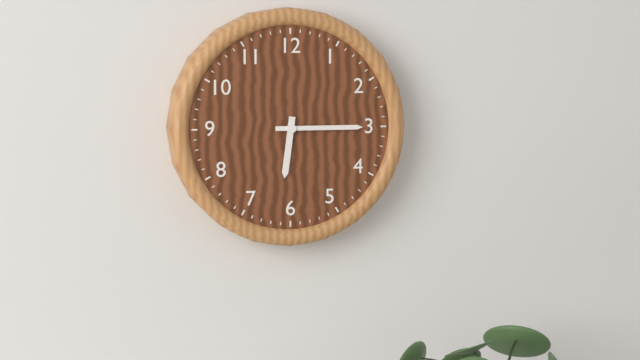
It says 6:15
